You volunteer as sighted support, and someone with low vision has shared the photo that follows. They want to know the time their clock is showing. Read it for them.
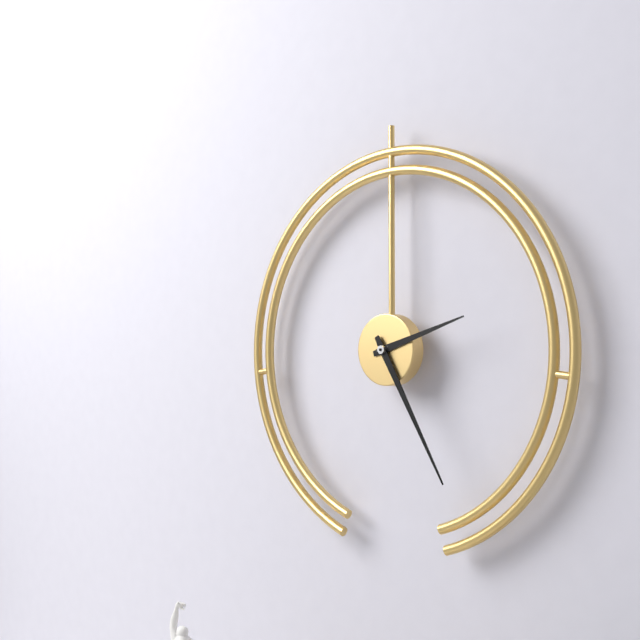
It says 2:25
